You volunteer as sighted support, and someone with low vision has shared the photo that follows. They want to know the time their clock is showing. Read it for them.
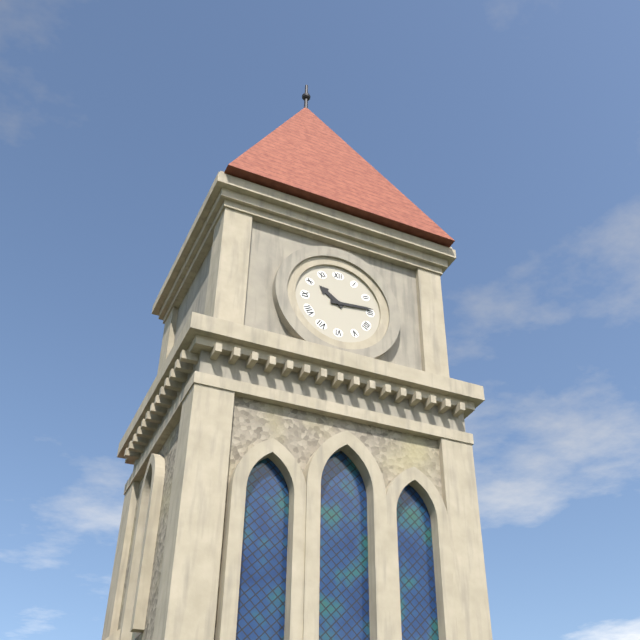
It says 10:14
